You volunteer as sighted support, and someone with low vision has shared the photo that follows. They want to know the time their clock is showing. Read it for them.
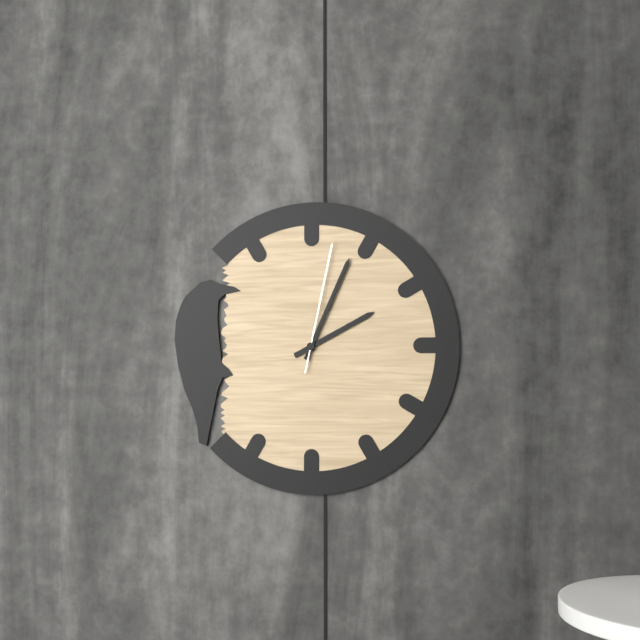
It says 2:04:02
